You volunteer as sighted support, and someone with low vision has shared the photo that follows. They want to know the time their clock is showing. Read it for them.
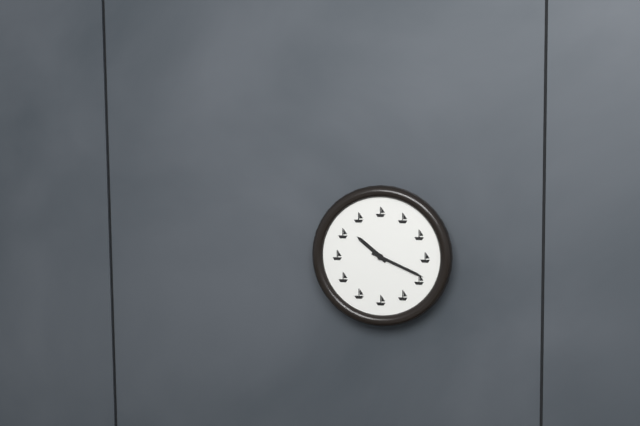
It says 10:19
